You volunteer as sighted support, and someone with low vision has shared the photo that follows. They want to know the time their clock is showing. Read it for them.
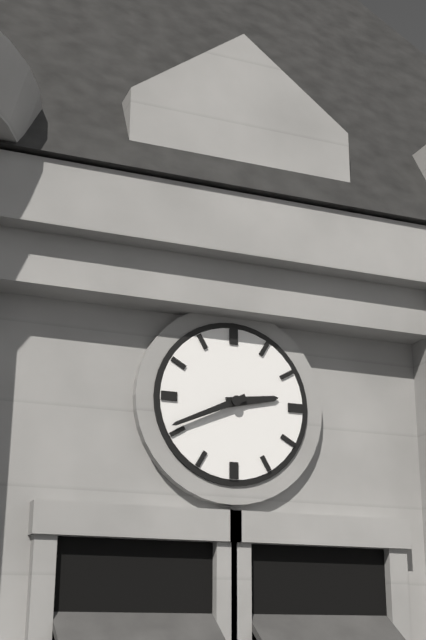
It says 2:41
